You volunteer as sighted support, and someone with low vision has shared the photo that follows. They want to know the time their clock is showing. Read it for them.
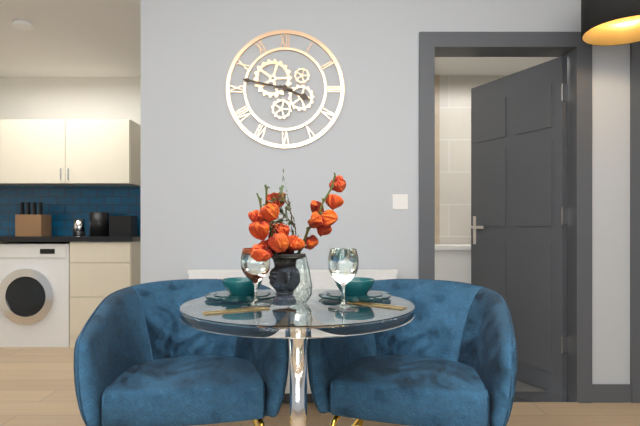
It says 3:47
